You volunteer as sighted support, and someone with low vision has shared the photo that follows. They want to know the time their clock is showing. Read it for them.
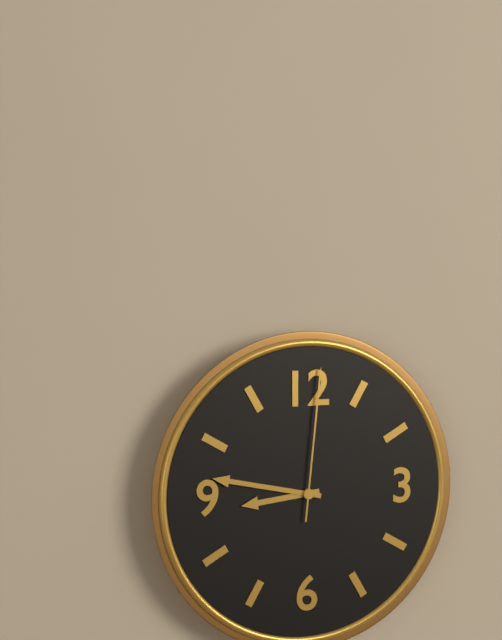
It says 8:47:01
